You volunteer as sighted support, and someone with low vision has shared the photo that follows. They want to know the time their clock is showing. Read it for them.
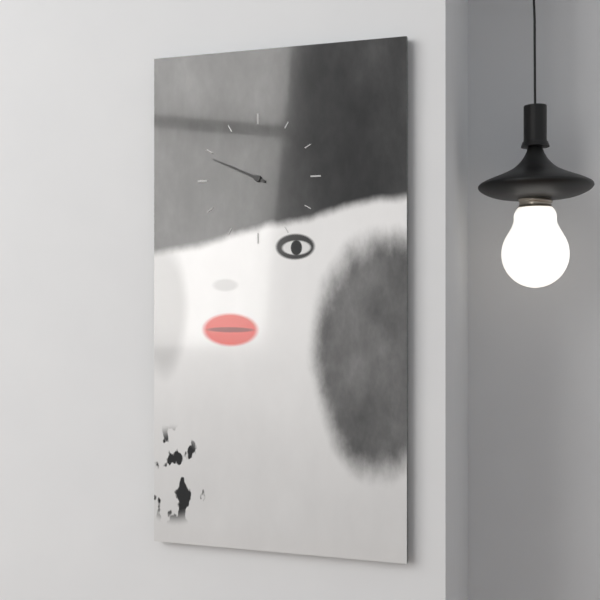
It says 9:49
